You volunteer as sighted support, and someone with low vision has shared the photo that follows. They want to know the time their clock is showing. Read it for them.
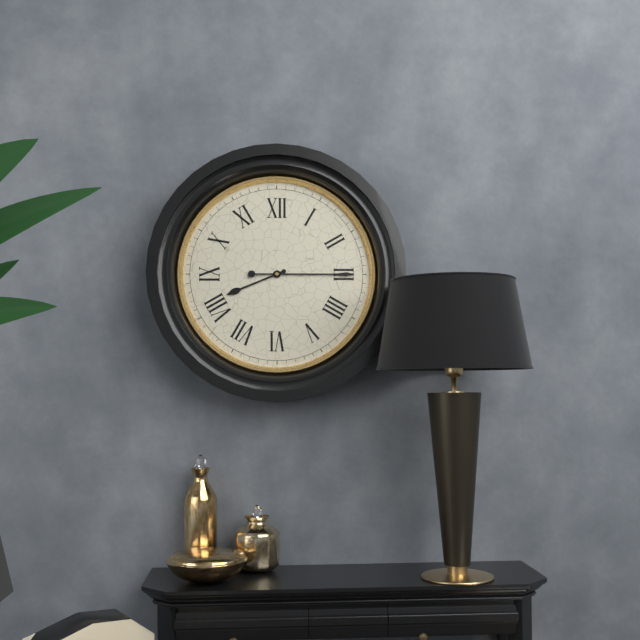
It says 8:15
